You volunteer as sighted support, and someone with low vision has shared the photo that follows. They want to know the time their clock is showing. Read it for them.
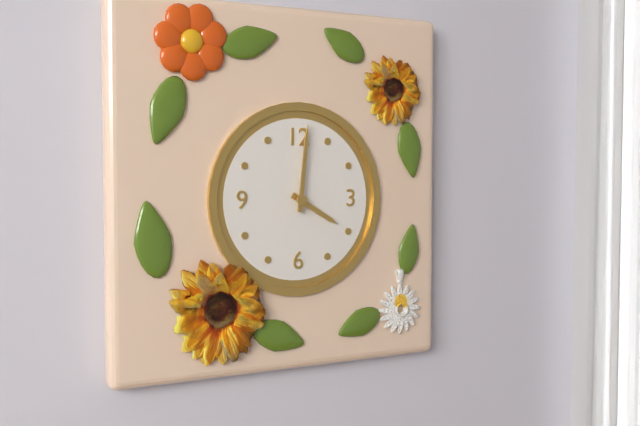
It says 4:01
